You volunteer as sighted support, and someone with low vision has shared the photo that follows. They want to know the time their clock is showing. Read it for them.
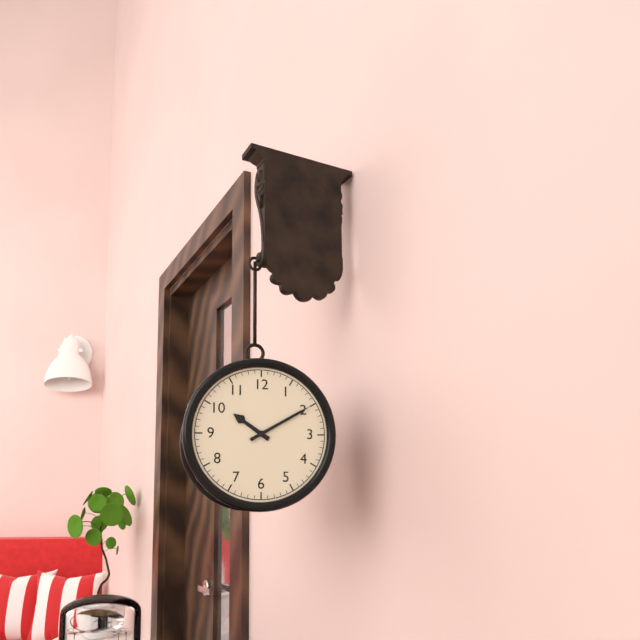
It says 10:10
